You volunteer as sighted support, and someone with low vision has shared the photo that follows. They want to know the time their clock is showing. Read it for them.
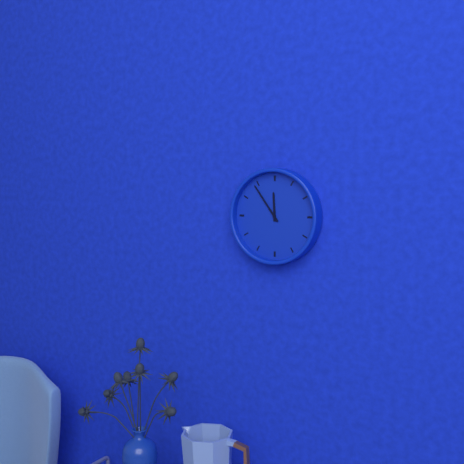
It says 11:54
